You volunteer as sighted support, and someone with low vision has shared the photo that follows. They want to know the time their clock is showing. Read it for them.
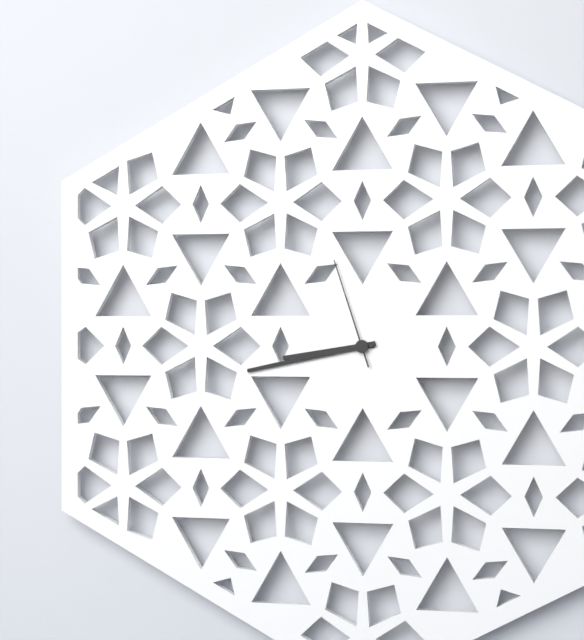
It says 8:43:57
